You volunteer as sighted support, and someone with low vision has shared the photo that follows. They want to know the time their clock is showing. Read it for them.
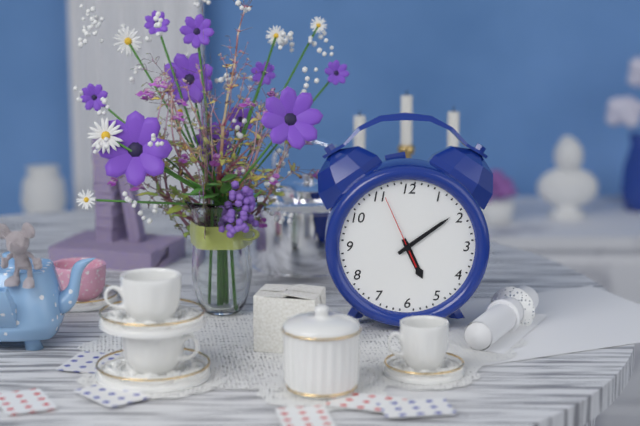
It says 5:09:56
